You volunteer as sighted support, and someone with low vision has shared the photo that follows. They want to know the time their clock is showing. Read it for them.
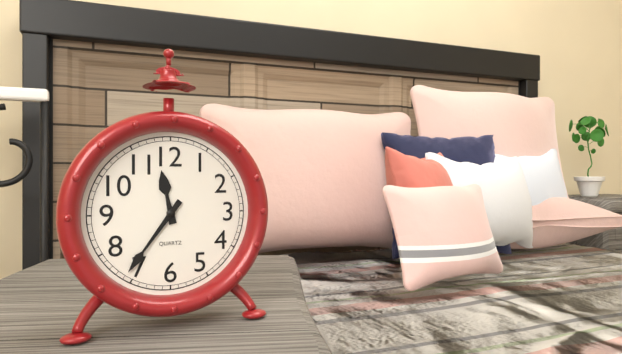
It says 11:36
